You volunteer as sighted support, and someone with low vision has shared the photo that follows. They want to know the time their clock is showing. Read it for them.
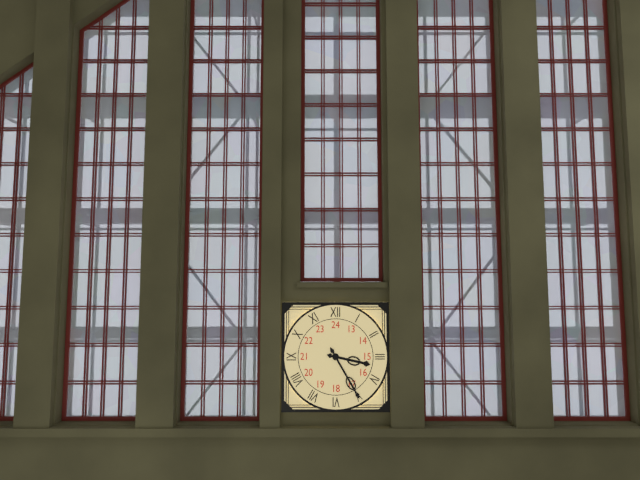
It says 3:25
